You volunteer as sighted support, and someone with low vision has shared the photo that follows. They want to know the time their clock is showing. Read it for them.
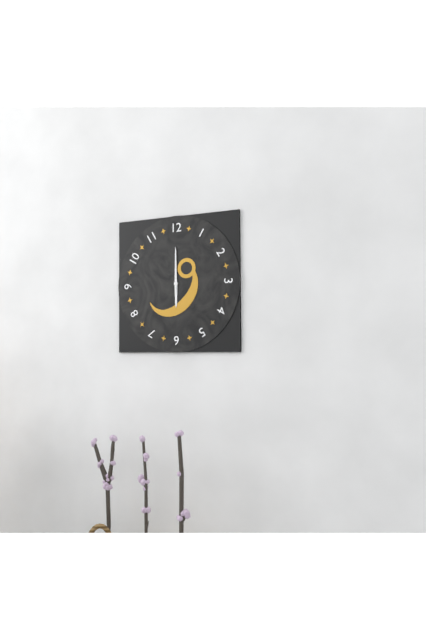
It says 6:00
